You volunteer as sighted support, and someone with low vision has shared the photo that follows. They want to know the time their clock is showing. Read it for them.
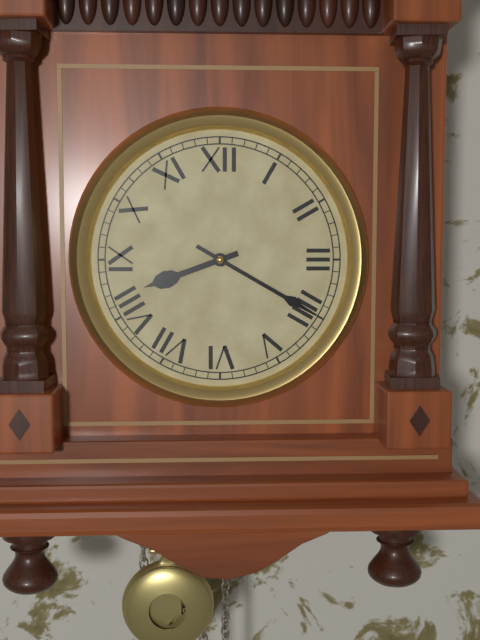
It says 8:20
